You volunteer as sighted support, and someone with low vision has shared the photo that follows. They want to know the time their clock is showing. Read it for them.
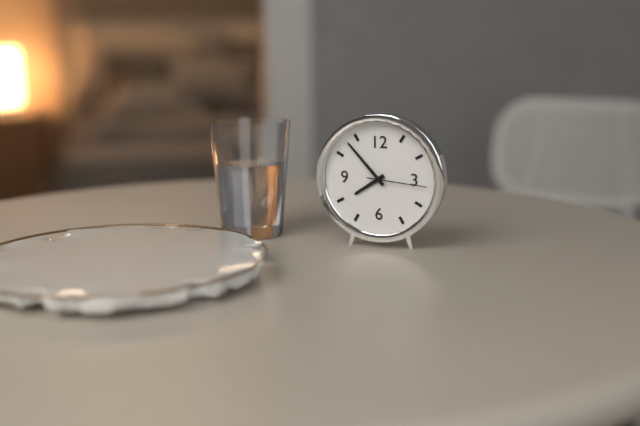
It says 7:53:16
